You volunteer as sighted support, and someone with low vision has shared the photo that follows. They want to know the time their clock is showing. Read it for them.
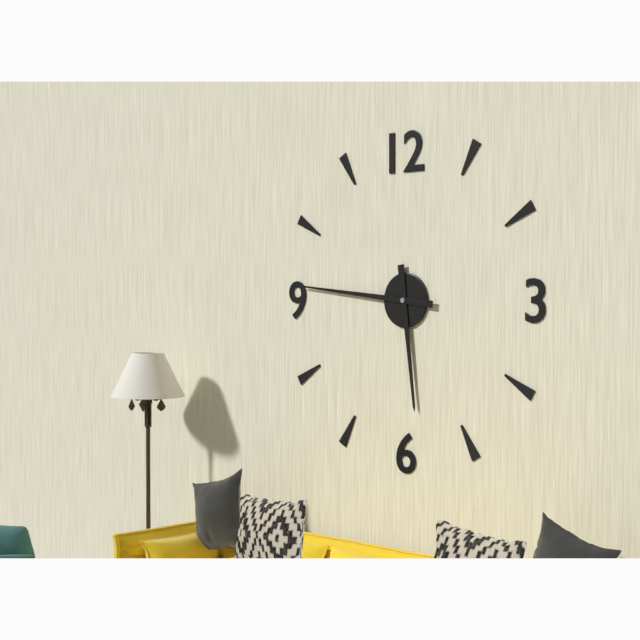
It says 5:46
